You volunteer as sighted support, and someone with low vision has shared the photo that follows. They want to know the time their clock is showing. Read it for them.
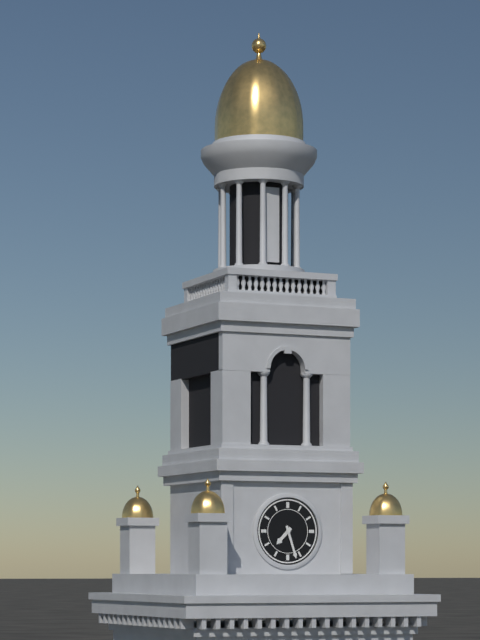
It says 7:27
